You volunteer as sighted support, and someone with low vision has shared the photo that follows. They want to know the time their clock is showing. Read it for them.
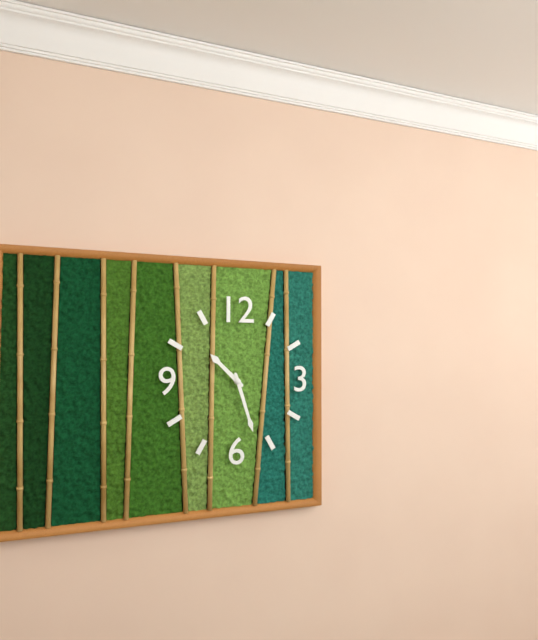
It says 10:27
